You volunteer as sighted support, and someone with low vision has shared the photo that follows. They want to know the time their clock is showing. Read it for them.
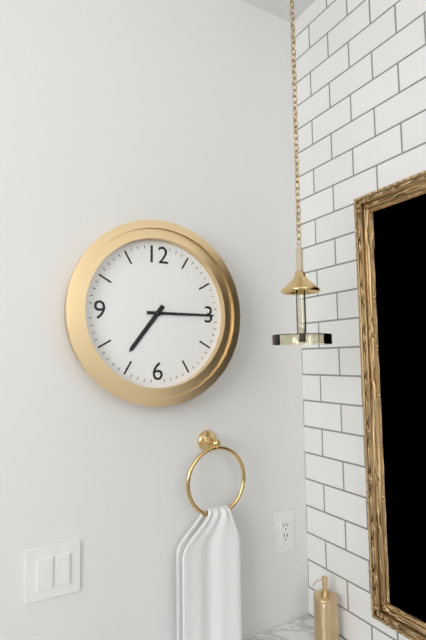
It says 7:15
